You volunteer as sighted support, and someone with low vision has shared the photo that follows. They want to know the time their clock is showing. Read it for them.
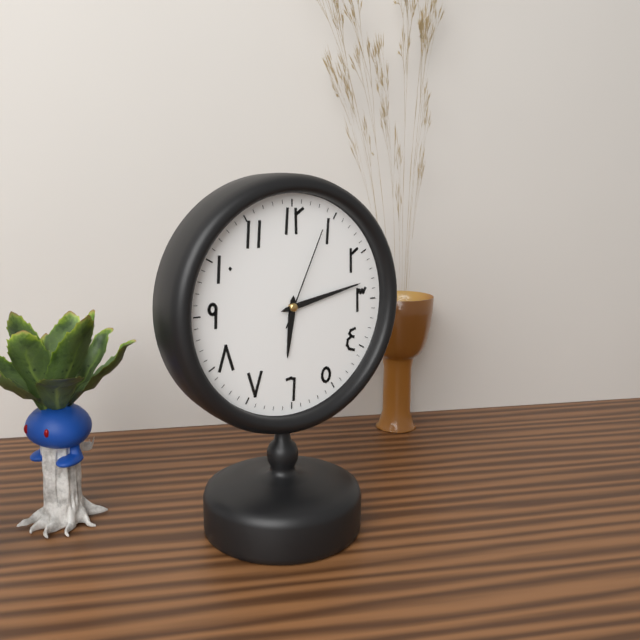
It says 6:13:04
